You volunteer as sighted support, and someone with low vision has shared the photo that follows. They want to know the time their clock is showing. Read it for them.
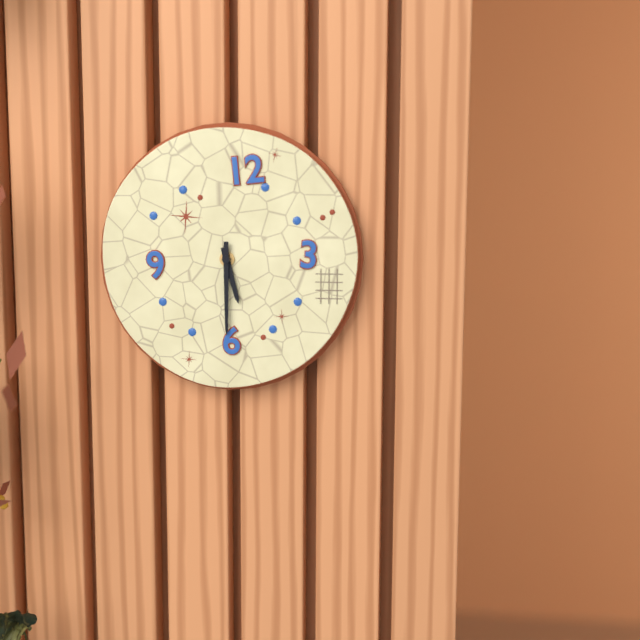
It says 5:30
